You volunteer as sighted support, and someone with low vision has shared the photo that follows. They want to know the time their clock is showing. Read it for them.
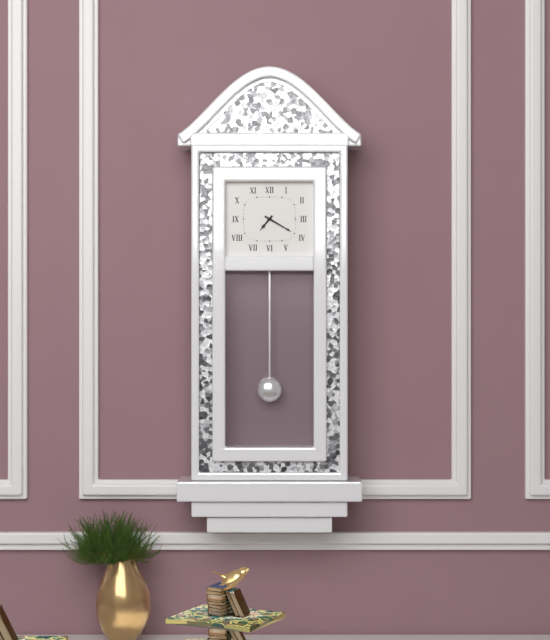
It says 7:20
